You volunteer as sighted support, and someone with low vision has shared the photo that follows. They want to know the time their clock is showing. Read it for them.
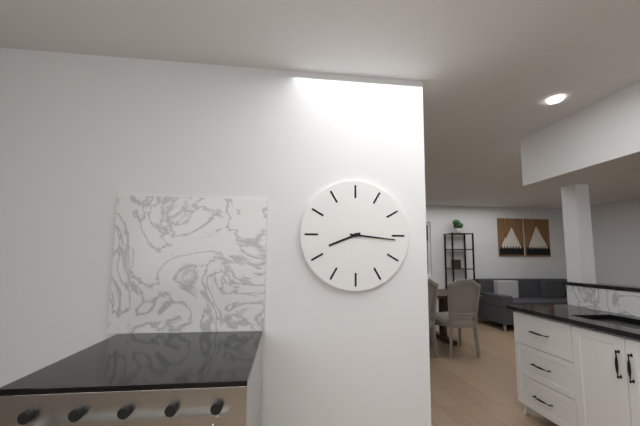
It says 8:16
